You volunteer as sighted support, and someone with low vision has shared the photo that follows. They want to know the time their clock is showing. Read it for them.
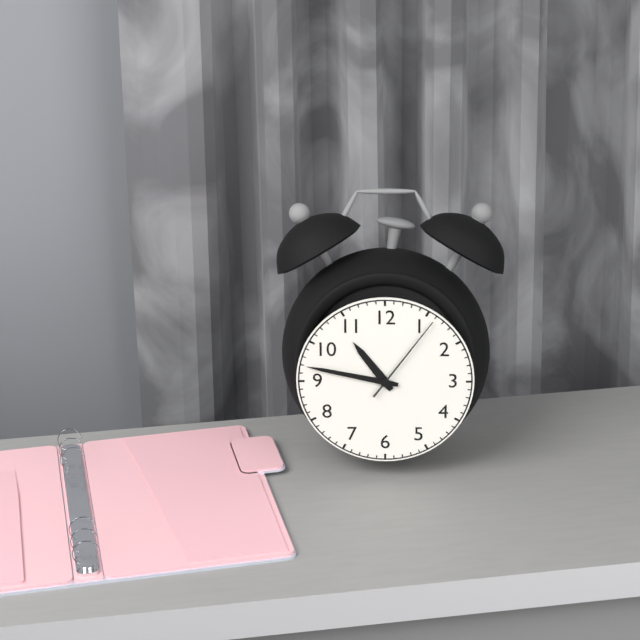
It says 10:47:06
